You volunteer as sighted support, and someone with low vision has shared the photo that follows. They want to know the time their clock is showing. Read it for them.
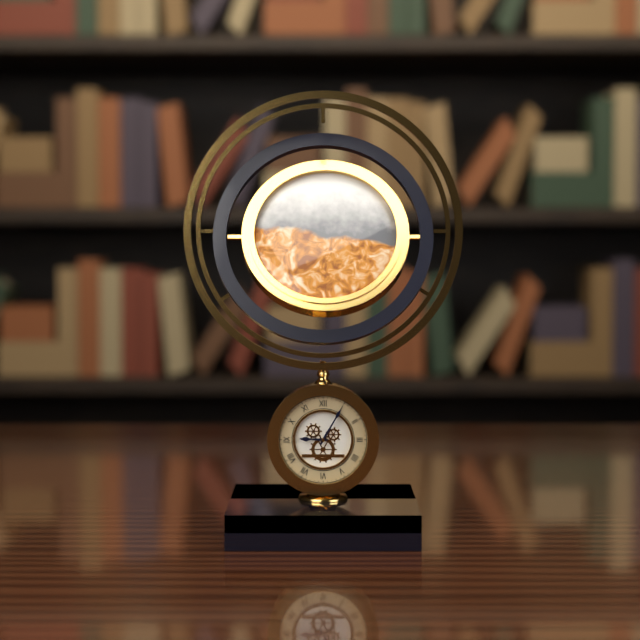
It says 9:05
